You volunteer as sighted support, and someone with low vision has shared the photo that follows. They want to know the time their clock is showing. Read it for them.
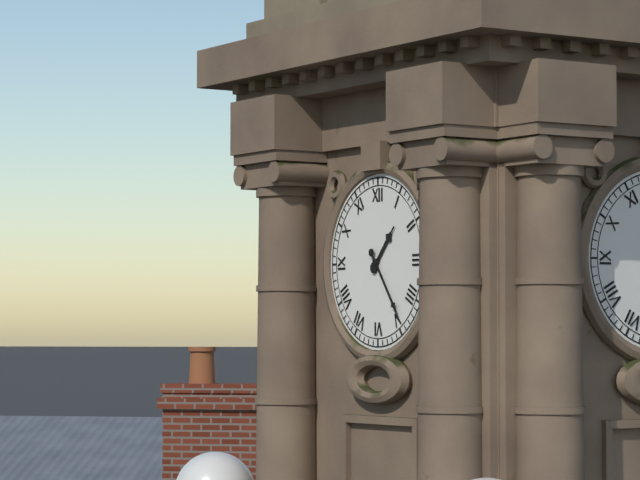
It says 1:24
